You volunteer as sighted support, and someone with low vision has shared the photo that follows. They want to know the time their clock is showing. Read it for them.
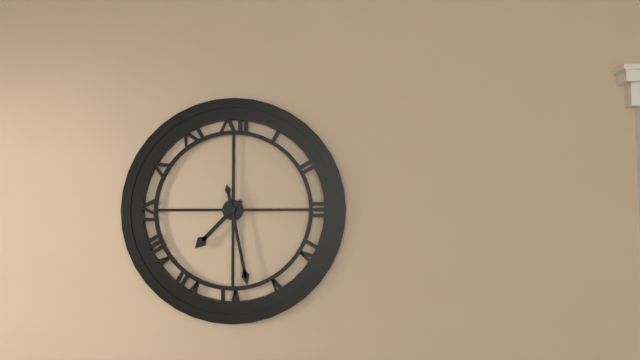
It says 7:28
